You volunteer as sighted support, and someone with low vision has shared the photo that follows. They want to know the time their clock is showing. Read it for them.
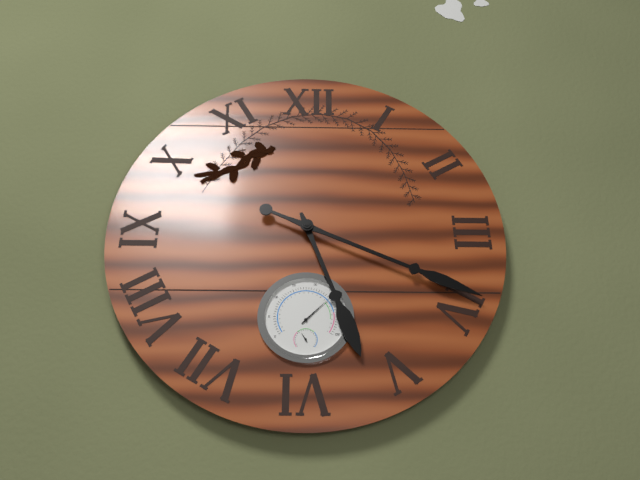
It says 5:19
